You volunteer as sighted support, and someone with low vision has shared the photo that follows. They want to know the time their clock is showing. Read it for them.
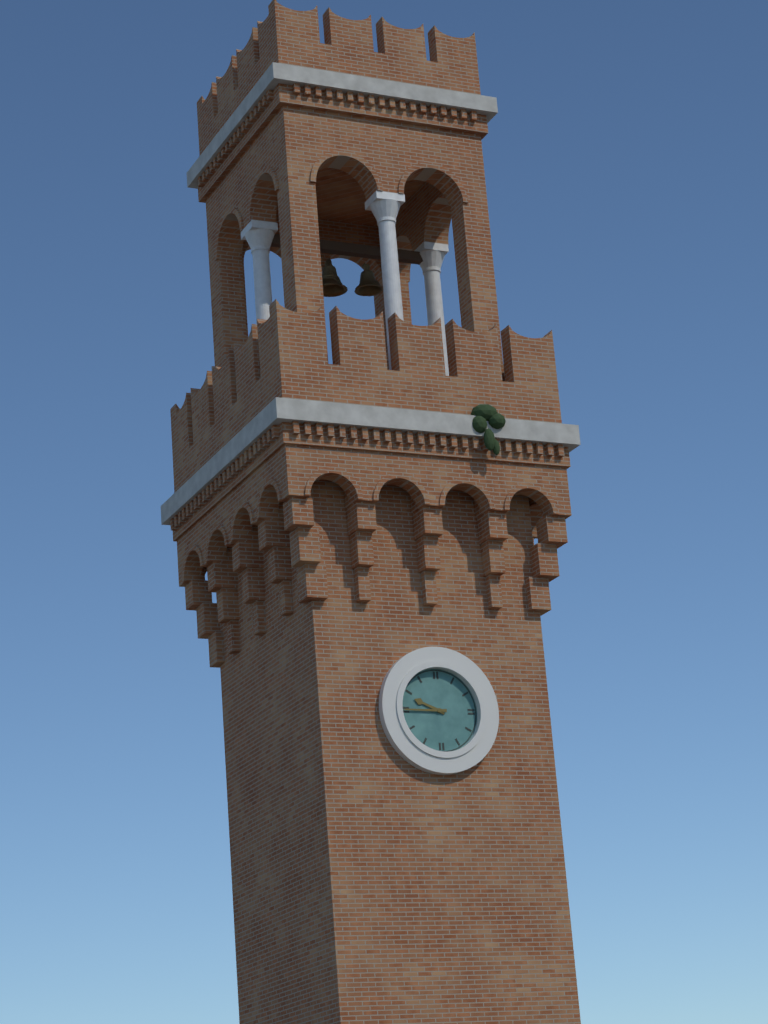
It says 9:45
